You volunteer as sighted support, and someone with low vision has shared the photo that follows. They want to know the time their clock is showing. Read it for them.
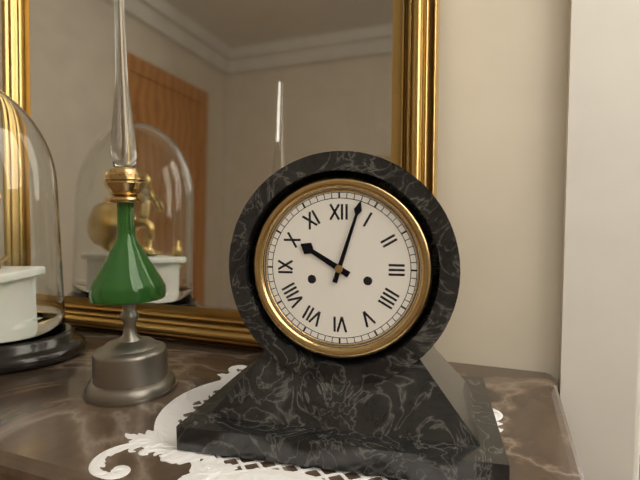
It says 10:03
